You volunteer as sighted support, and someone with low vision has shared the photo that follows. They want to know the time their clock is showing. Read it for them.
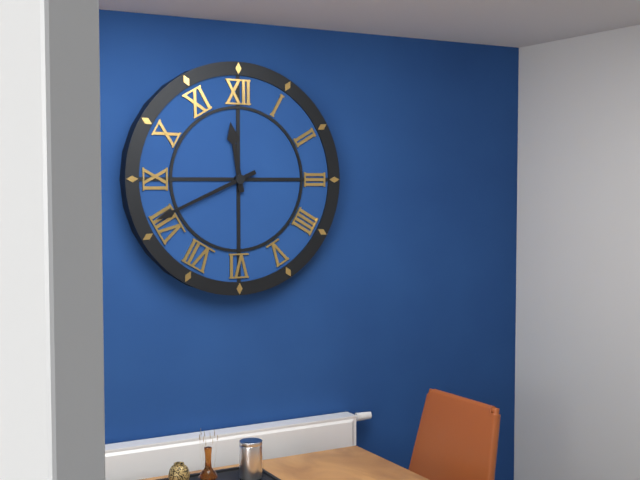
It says 11:41
